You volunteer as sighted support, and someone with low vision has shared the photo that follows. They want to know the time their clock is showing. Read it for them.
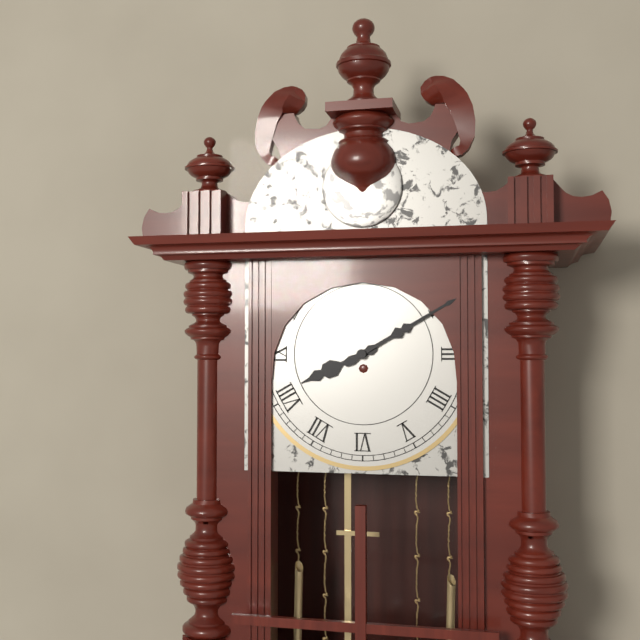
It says 8:10
